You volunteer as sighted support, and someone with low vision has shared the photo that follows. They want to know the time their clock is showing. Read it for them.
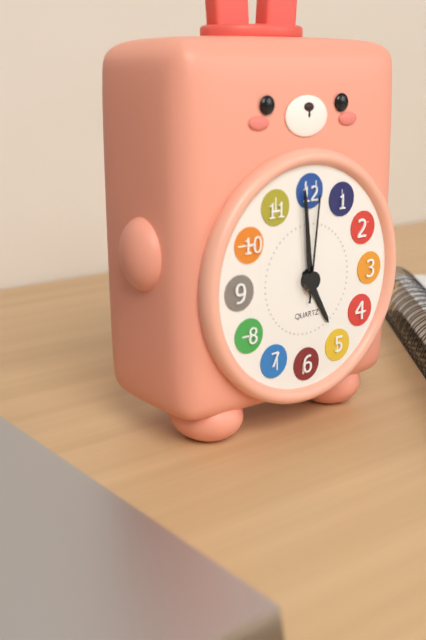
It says 4:59:01
